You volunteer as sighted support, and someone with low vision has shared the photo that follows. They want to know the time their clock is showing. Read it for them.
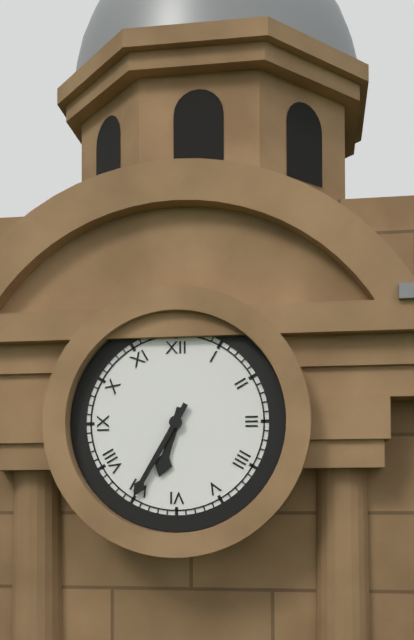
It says 6:35
